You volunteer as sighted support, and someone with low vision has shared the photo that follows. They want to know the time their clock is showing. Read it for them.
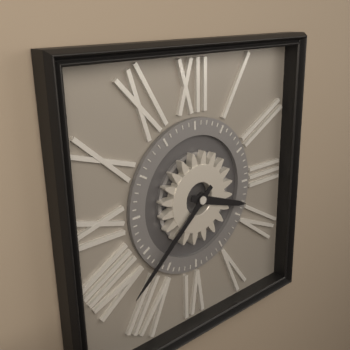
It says 3:38
